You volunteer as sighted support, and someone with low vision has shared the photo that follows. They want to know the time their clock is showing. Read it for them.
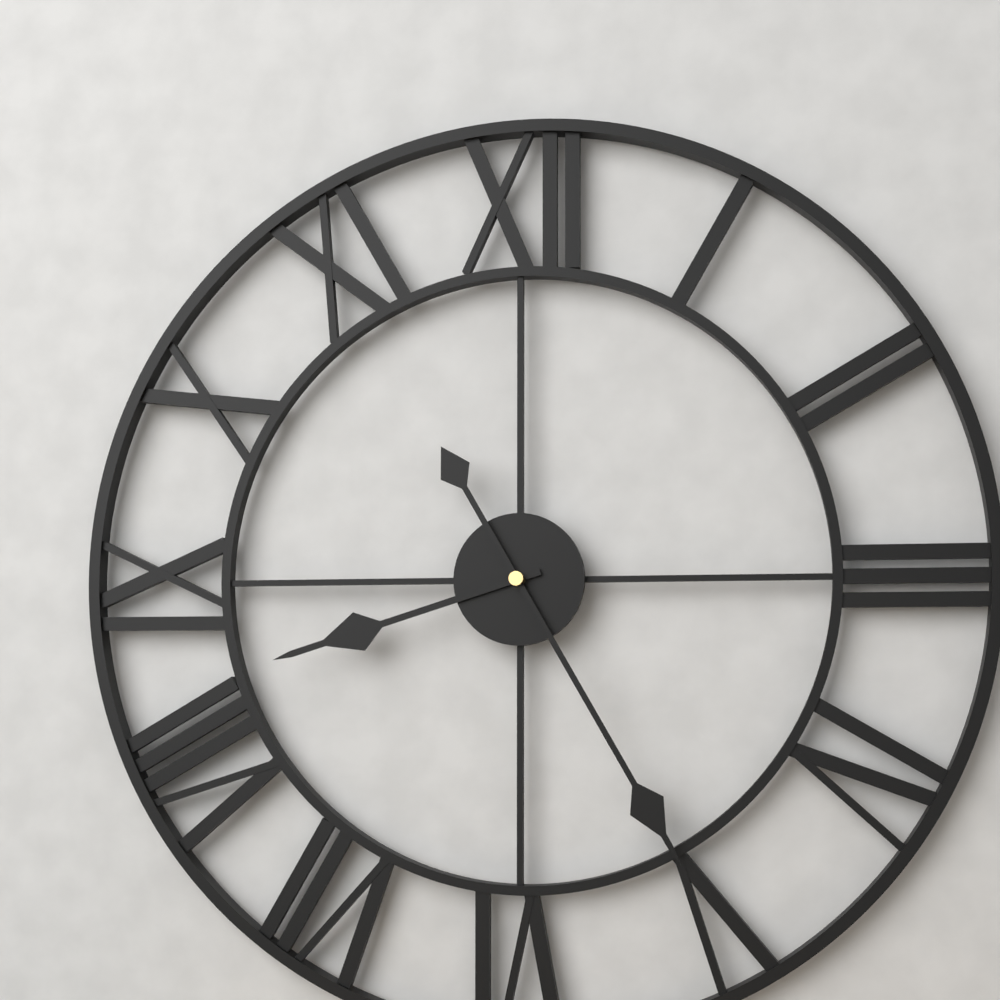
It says 8:25
